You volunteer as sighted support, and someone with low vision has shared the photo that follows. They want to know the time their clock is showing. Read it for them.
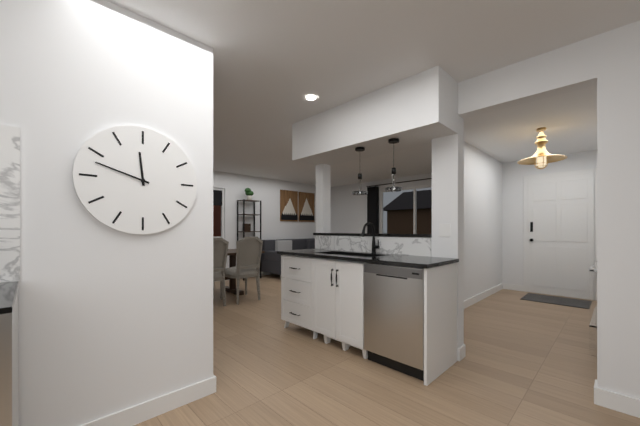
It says 11:48
